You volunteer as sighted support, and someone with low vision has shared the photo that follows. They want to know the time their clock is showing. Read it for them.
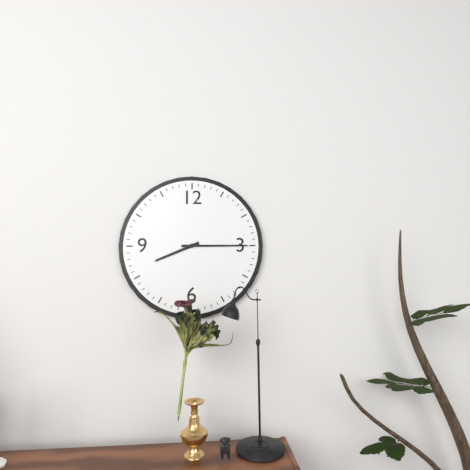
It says 8:15
